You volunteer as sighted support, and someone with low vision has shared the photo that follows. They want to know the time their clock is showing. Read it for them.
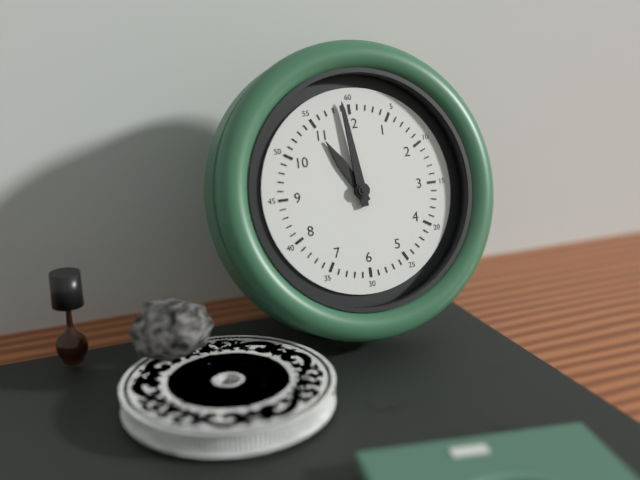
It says 10:59
